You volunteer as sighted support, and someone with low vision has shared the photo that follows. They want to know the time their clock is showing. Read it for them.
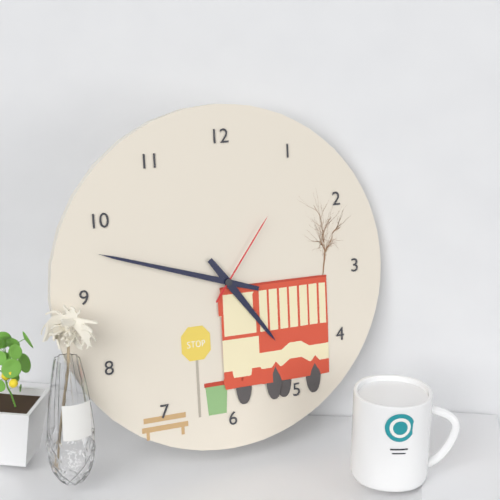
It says 4:48:06
